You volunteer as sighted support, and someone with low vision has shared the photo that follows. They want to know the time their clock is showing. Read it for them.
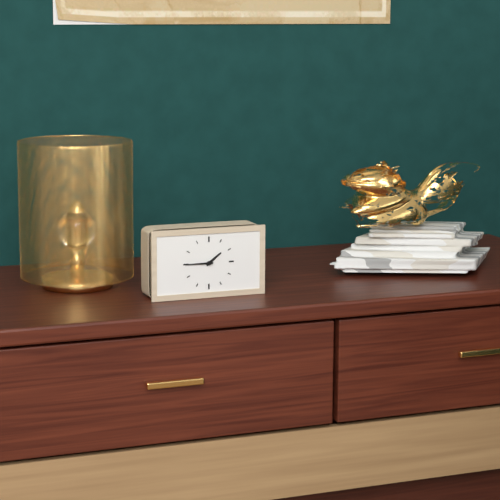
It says 1:45
